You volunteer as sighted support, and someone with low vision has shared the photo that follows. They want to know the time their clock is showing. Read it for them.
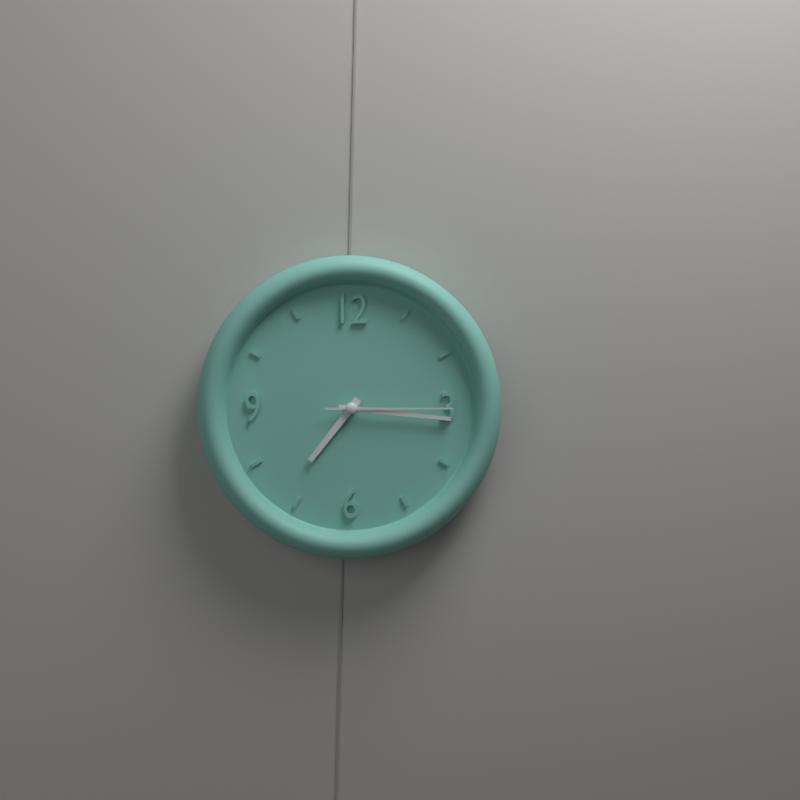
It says 7:16:15
